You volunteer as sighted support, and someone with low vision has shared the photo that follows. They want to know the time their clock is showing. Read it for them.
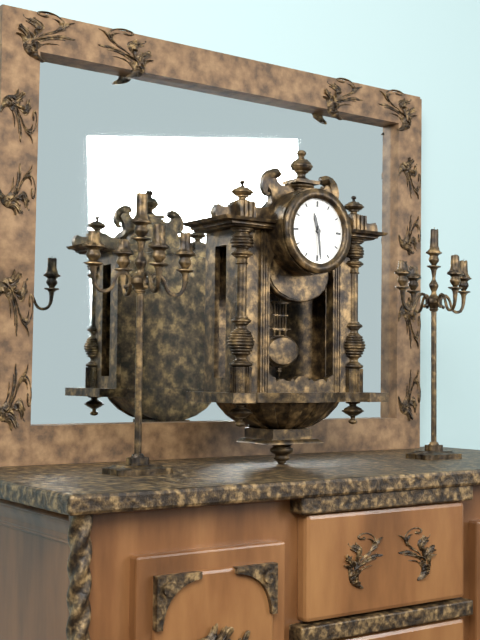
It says 11:29
